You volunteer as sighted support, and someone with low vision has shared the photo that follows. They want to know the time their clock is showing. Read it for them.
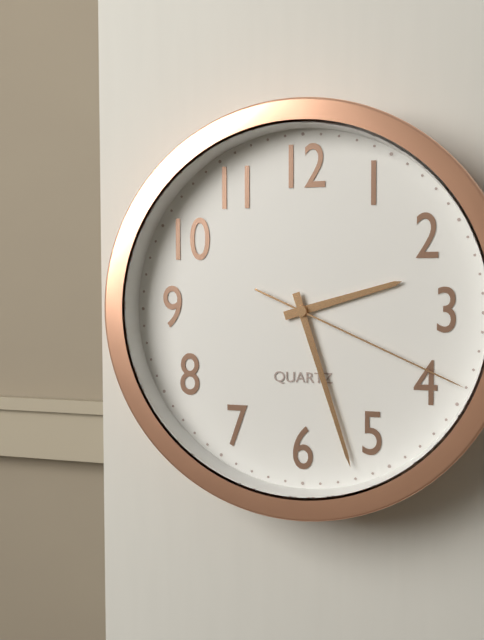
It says 2:27:19
